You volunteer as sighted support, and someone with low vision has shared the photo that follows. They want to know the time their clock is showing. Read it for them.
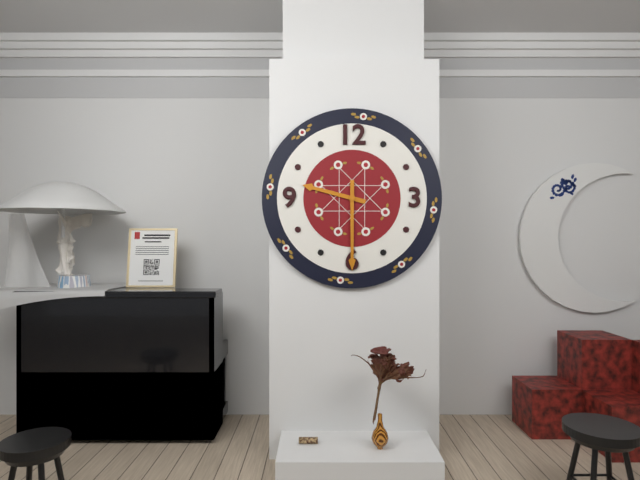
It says 9:30
